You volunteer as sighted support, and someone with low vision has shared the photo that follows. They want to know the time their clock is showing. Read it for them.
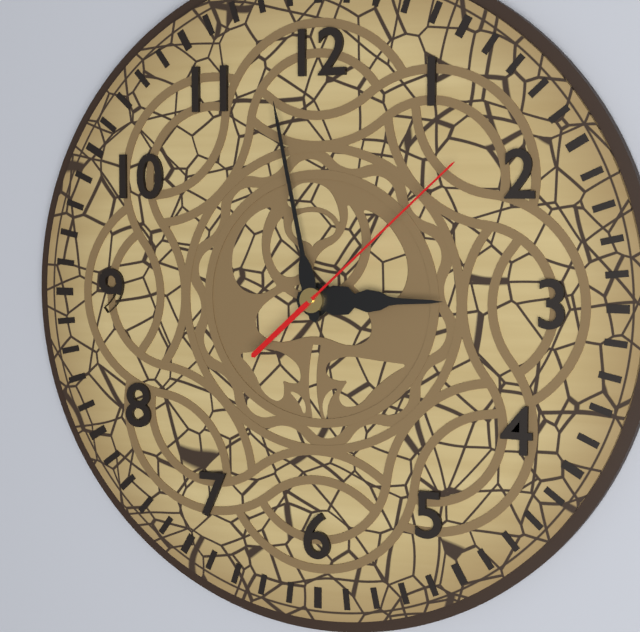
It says 2:58:08
